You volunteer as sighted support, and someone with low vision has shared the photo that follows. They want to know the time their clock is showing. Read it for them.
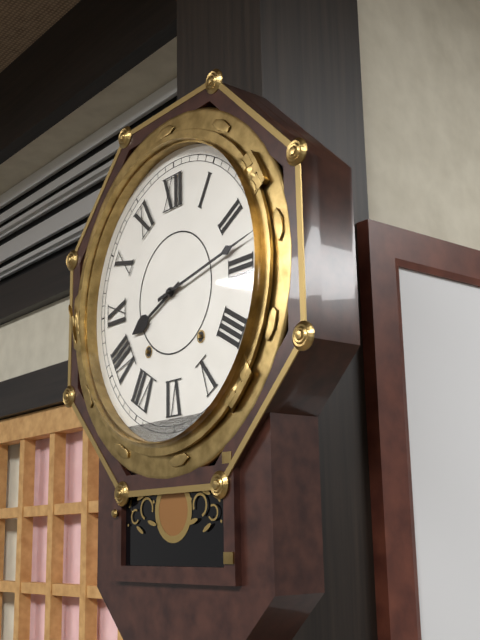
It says 8:13
